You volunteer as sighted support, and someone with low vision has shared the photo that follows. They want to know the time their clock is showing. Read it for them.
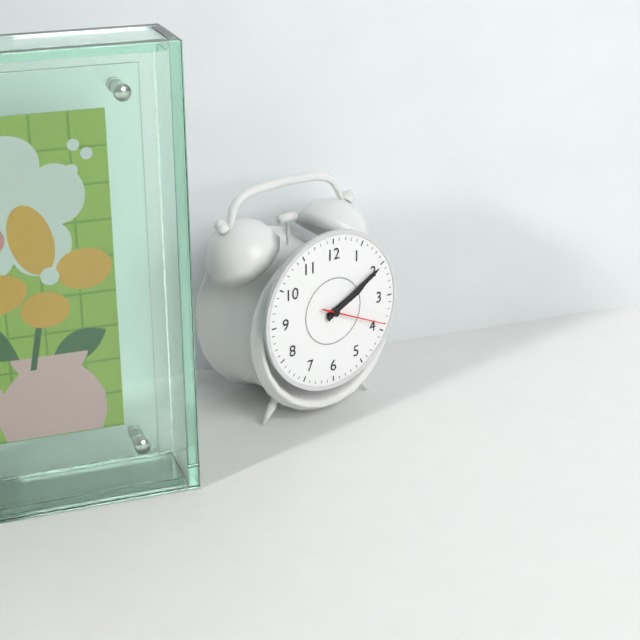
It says 2:10:19
